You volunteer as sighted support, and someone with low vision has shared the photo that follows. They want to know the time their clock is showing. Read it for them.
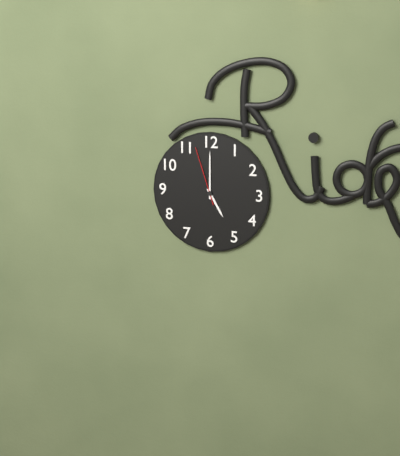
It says 5:00:57
